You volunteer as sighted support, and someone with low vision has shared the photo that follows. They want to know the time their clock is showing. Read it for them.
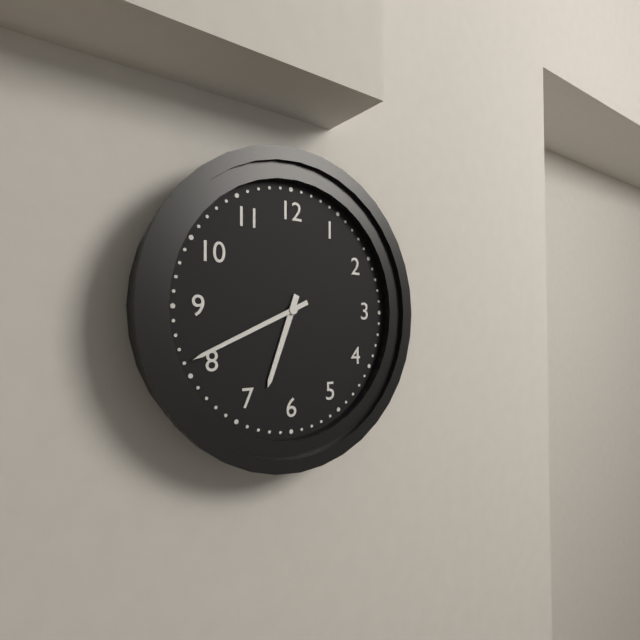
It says 6:41
